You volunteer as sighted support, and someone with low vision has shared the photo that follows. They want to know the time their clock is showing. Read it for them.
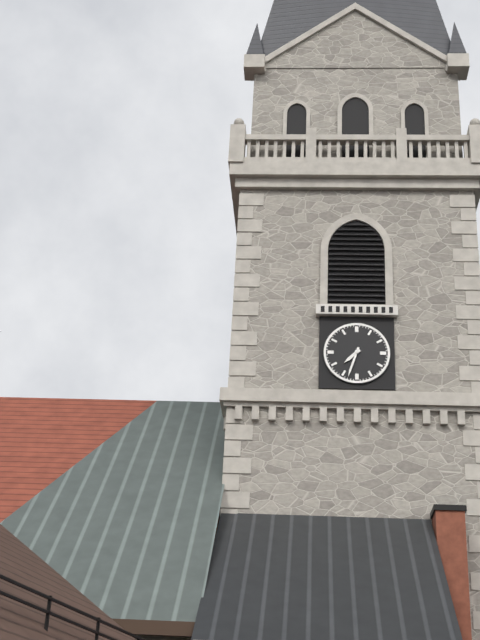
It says 7:33
